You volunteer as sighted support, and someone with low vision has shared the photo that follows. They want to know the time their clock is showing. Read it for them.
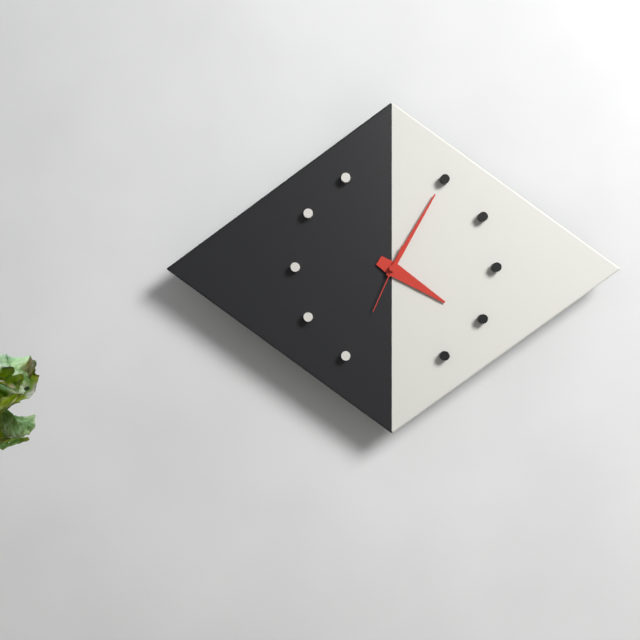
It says 4:05:34
